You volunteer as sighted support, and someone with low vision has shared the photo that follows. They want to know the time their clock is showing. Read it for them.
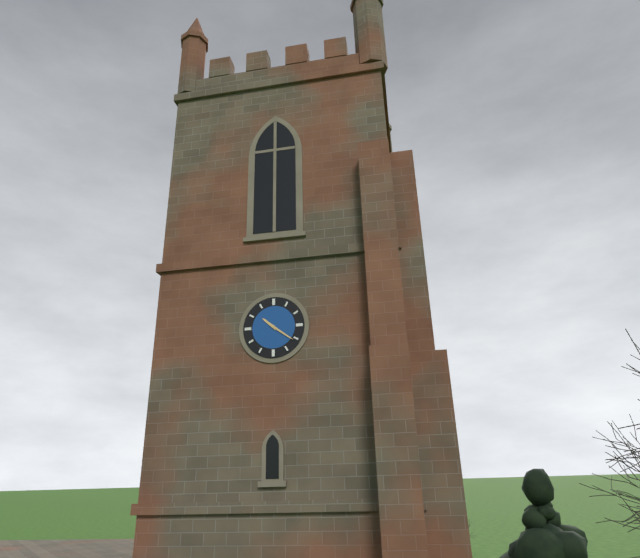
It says 10:21
